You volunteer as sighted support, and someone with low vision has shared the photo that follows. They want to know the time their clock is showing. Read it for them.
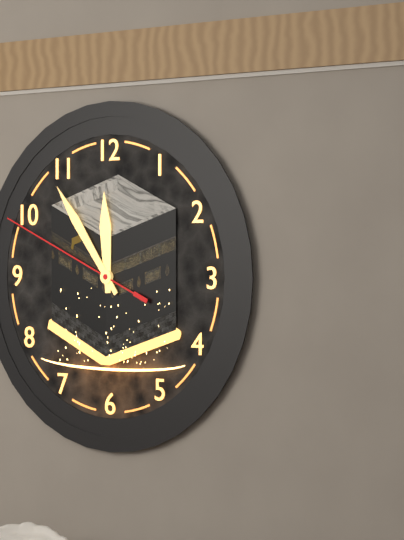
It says 11:54:49
